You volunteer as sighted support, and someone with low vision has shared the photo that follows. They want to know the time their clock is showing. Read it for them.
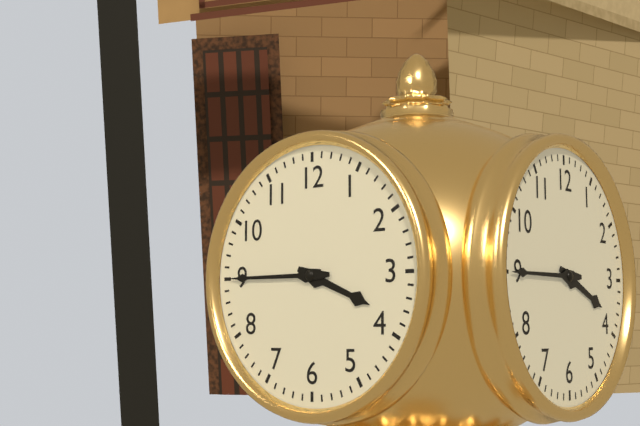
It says 3:45
